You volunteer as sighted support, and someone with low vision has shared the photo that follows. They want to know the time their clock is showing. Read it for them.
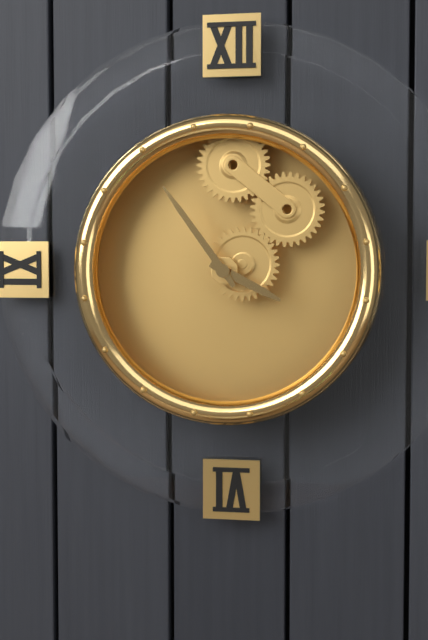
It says 3:54
